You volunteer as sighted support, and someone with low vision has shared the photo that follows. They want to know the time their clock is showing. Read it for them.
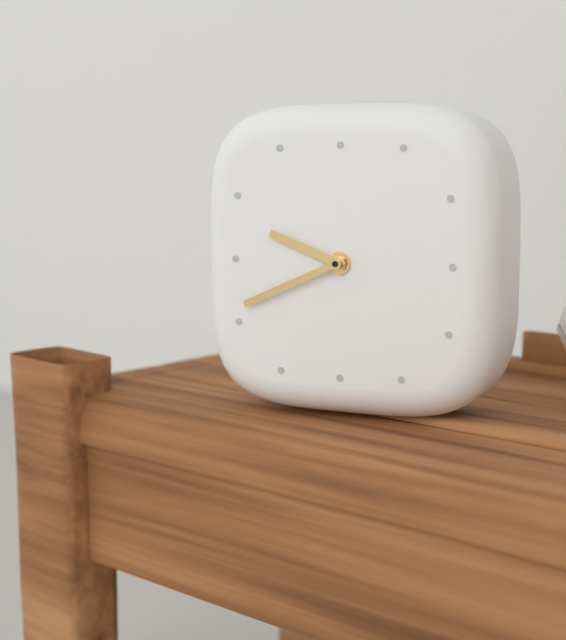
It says 9:41
